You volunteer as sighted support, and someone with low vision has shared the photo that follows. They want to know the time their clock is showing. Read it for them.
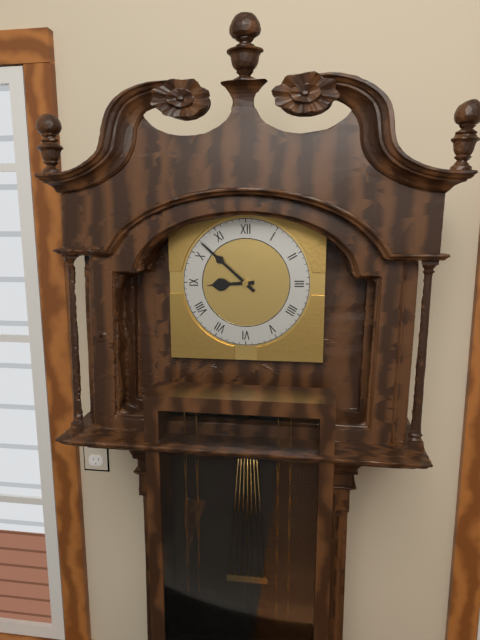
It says 8:52
